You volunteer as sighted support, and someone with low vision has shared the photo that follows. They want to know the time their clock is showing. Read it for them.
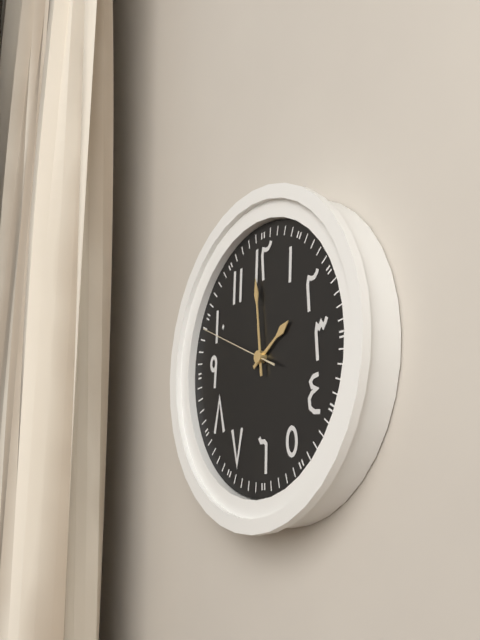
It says 1:59:49
